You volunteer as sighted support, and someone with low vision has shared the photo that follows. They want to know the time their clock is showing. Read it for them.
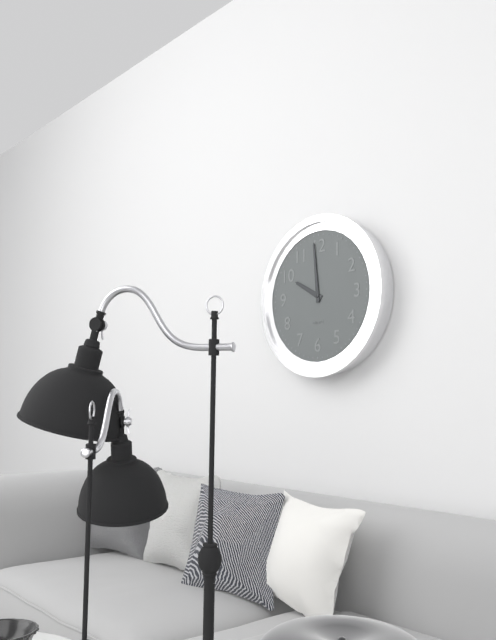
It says 9:59
